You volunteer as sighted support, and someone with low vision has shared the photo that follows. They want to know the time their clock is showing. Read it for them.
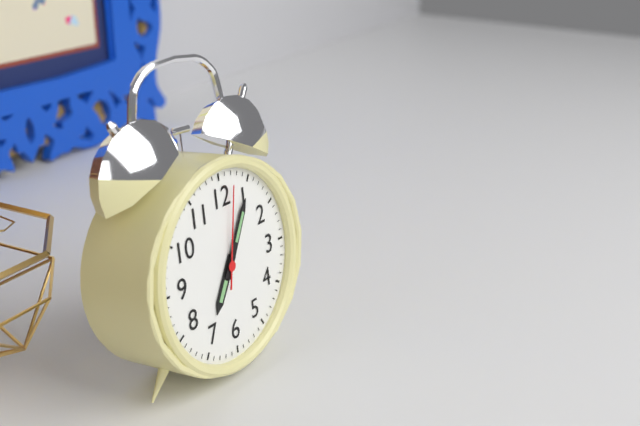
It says 7:05:02
